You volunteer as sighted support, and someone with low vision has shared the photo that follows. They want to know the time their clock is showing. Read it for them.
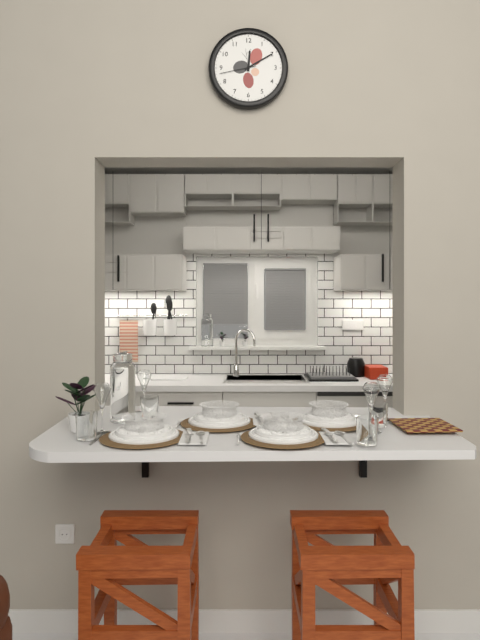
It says 12:10
